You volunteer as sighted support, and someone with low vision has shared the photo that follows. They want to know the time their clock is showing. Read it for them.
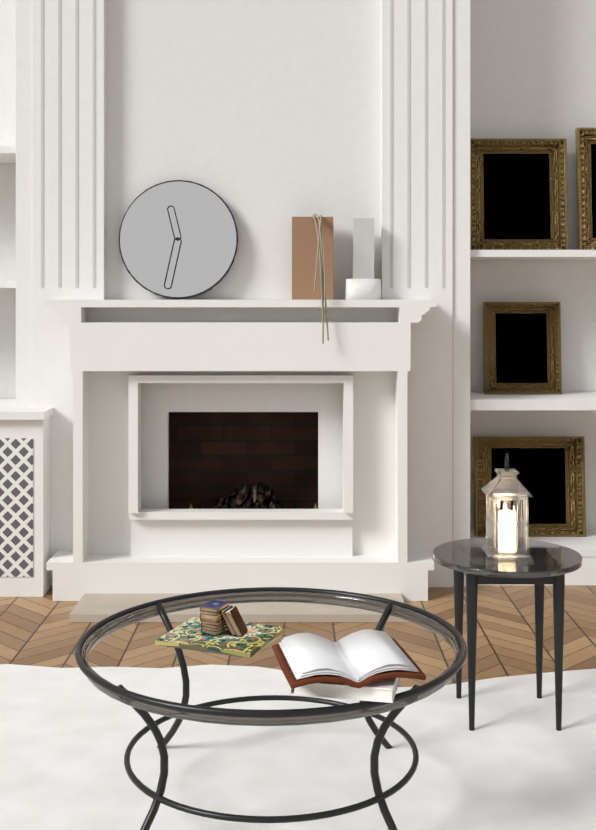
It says 11:32
